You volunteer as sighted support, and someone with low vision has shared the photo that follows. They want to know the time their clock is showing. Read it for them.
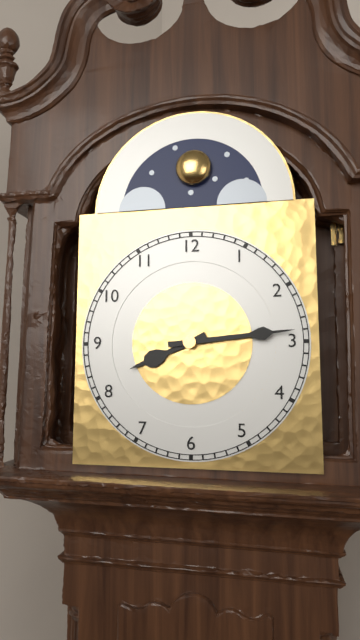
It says 8:14
